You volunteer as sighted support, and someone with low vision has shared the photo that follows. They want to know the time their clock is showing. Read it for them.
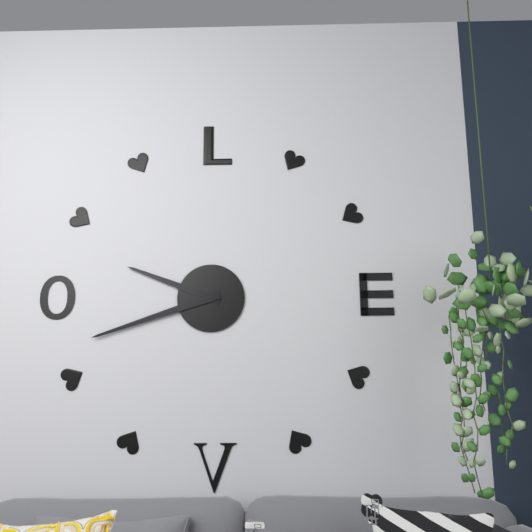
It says 9:42
